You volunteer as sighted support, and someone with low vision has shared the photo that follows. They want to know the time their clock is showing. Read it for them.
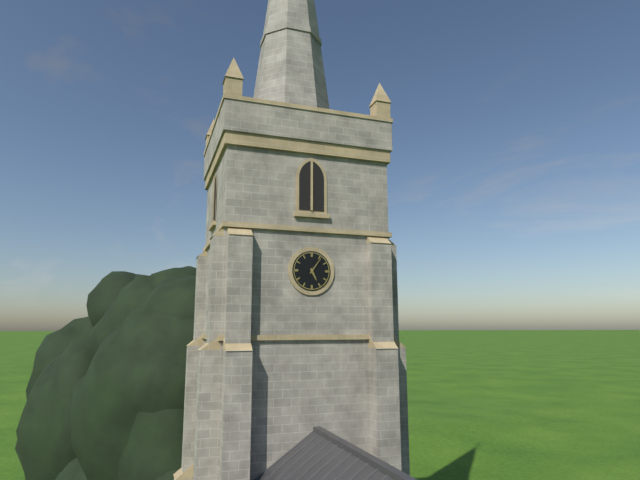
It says 5:06
